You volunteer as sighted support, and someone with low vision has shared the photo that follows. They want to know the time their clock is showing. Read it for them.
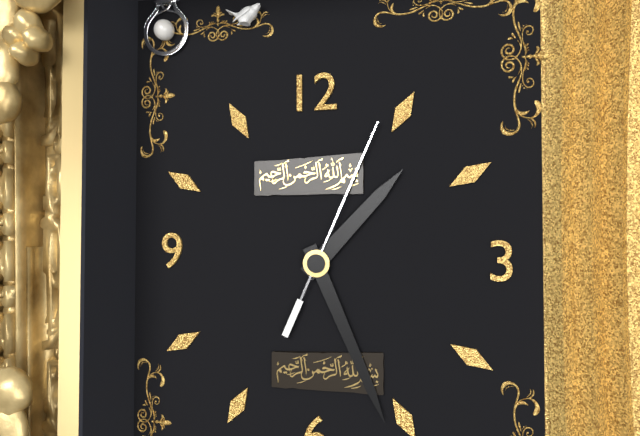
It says 1:26:04
